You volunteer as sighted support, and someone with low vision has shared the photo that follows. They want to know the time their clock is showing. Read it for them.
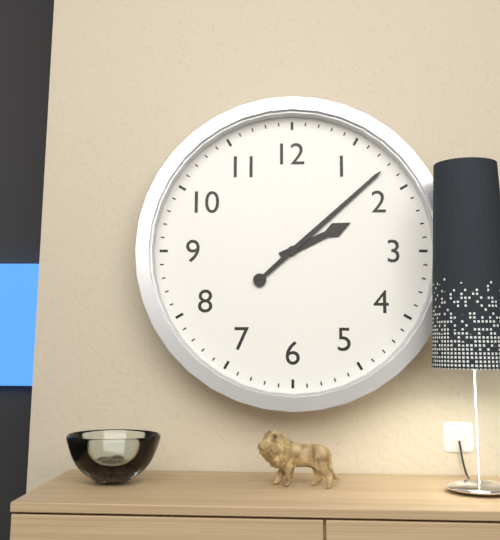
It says 2:08
